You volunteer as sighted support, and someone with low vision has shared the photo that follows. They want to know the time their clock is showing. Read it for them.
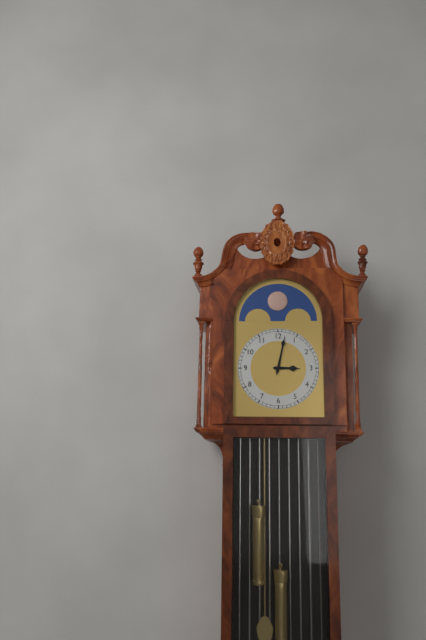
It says 3:02
